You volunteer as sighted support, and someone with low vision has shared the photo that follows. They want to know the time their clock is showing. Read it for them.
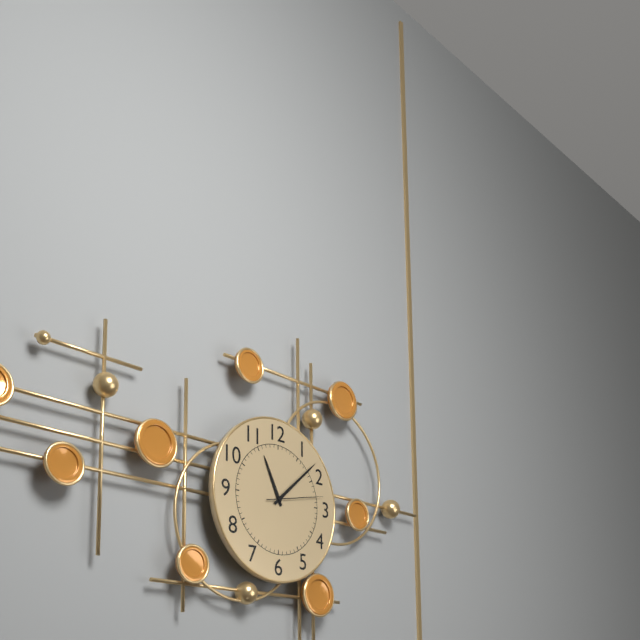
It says 11:08:13
